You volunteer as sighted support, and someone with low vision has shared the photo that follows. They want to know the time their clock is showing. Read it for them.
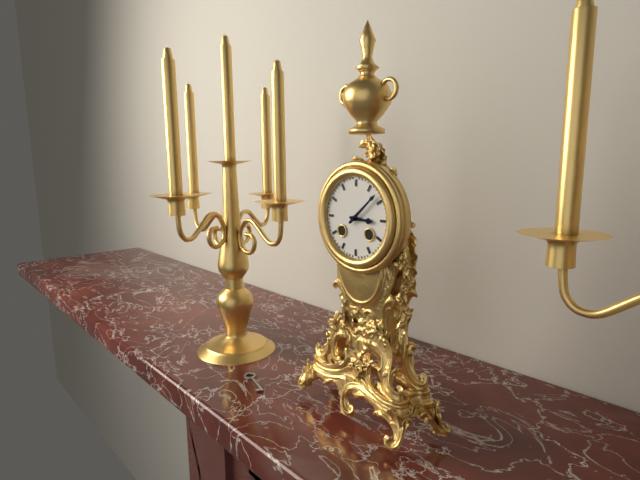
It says 3:08
